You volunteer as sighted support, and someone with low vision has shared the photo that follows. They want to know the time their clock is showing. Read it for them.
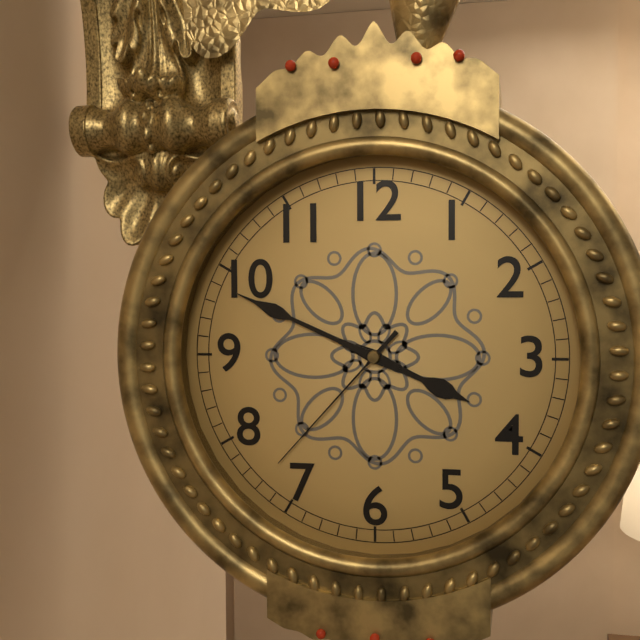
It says 3:49:37
